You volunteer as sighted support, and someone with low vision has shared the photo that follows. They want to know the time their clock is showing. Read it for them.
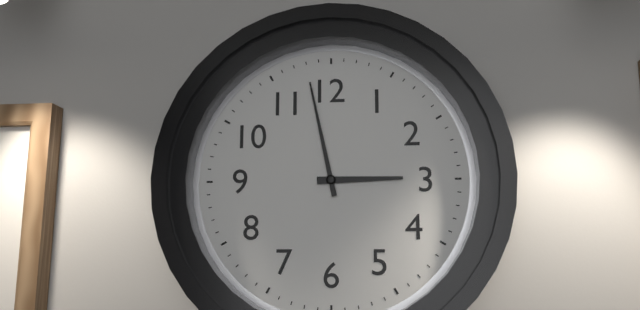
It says 2:58
